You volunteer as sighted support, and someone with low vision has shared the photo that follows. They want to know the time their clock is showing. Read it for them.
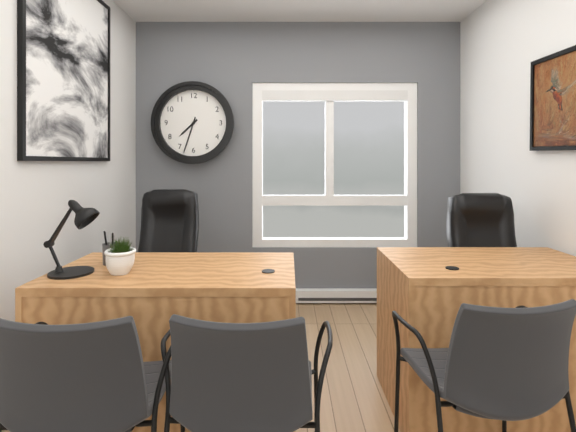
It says 7:33
